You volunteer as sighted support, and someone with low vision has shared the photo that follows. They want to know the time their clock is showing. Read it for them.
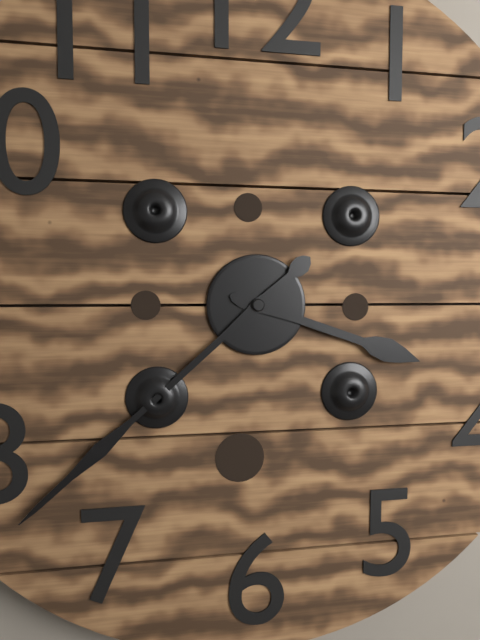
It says 3:38
